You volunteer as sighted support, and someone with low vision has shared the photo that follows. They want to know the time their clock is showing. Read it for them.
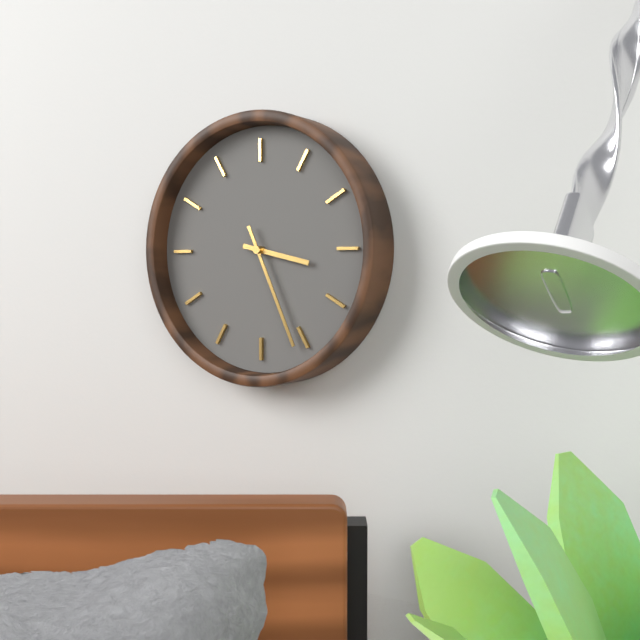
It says 3:26
